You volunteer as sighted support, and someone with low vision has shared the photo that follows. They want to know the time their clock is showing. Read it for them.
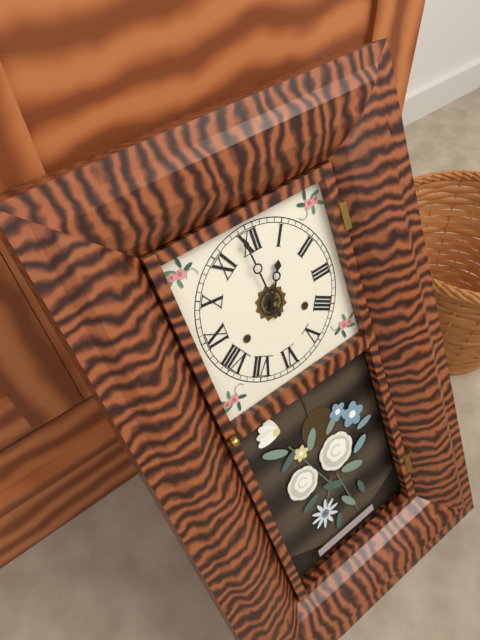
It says 12:59
